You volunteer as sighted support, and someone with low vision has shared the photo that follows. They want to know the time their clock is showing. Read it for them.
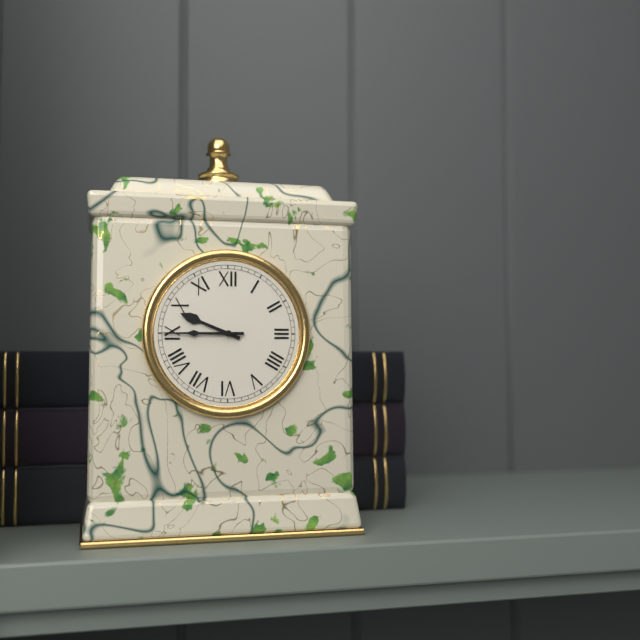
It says 9:45
